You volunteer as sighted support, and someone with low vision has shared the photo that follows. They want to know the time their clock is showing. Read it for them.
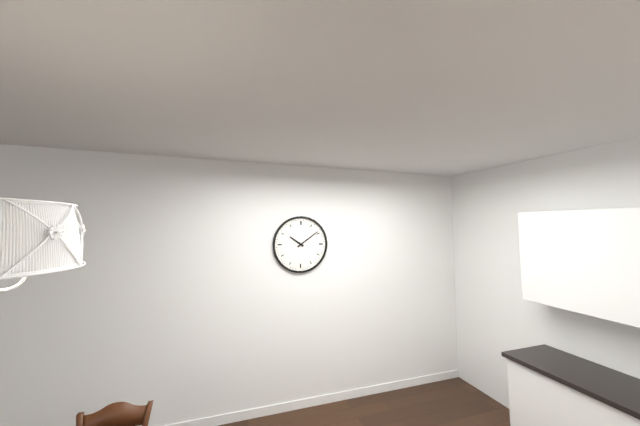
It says 10:09
